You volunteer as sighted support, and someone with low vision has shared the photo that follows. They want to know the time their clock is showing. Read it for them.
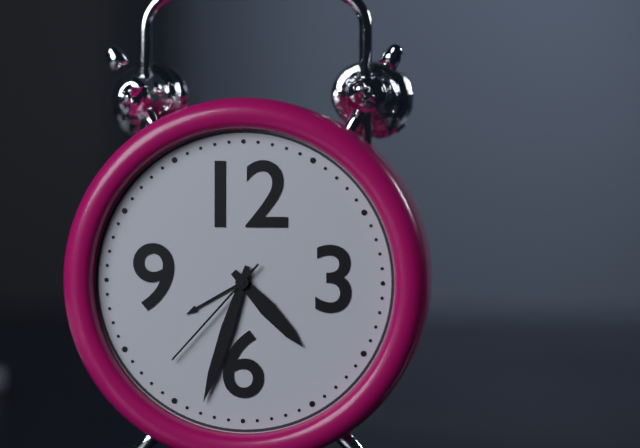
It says 4:33:37
